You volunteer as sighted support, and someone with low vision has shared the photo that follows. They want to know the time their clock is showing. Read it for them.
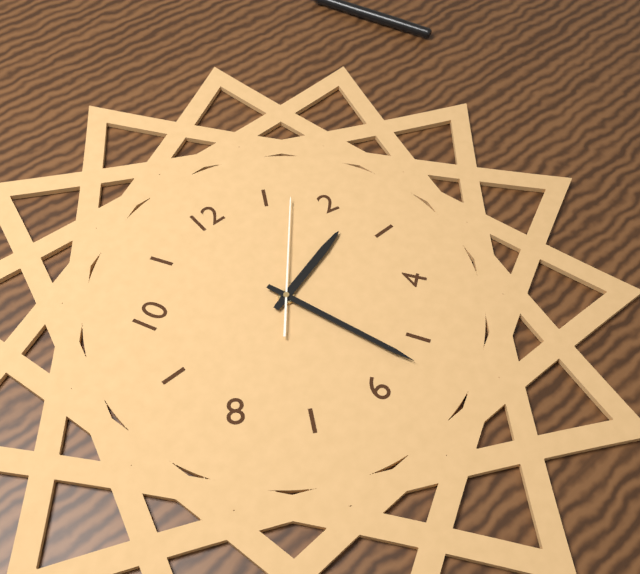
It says 2:27:07
